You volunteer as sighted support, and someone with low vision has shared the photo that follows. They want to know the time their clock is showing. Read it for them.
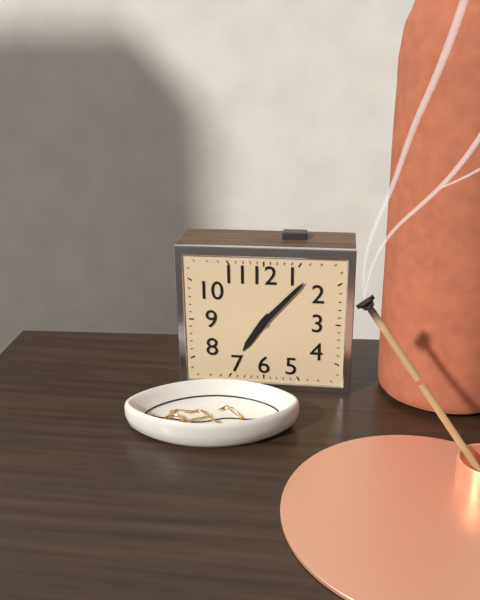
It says 7:07
